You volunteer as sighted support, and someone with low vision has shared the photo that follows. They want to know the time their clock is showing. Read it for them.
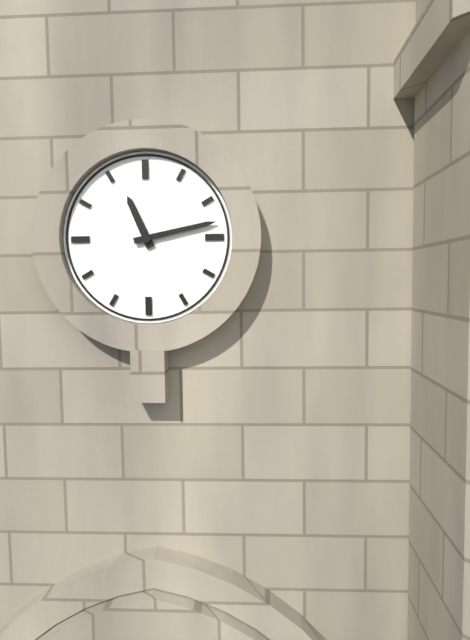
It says 11:13
